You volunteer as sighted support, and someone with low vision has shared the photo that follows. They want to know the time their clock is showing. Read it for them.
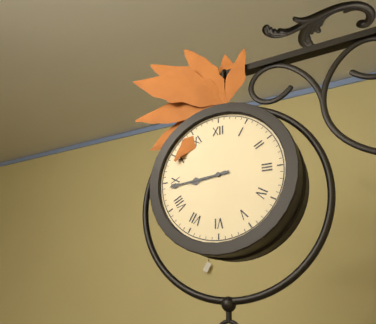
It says 8:44
